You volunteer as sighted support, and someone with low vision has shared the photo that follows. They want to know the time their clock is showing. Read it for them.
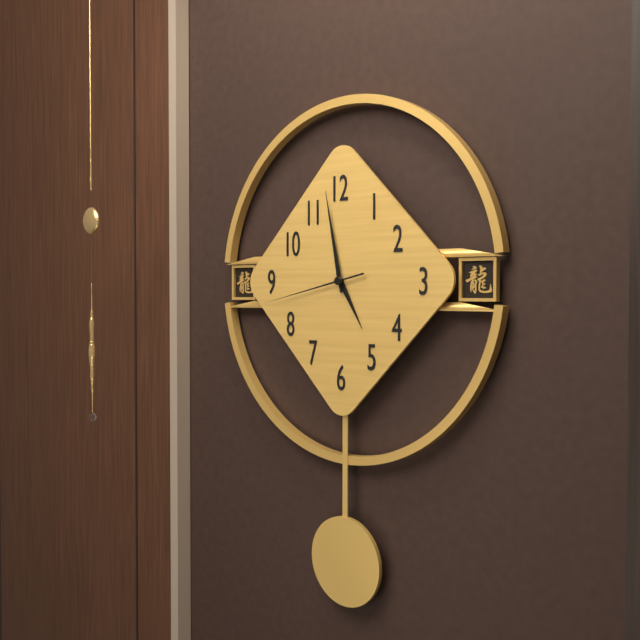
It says 4:58:43
